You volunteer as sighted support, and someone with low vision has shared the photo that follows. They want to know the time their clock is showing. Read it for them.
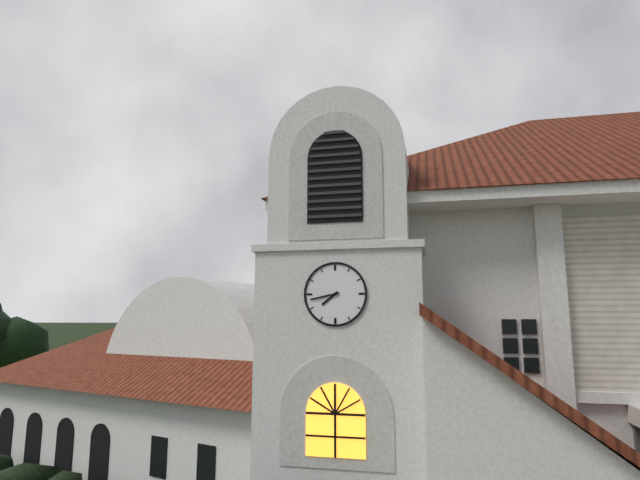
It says 7:43
